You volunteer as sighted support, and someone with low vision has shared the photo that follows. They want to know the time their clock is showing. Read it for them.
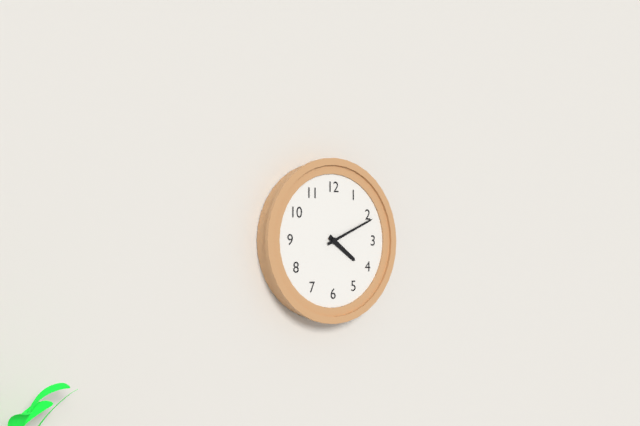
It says 4:11
